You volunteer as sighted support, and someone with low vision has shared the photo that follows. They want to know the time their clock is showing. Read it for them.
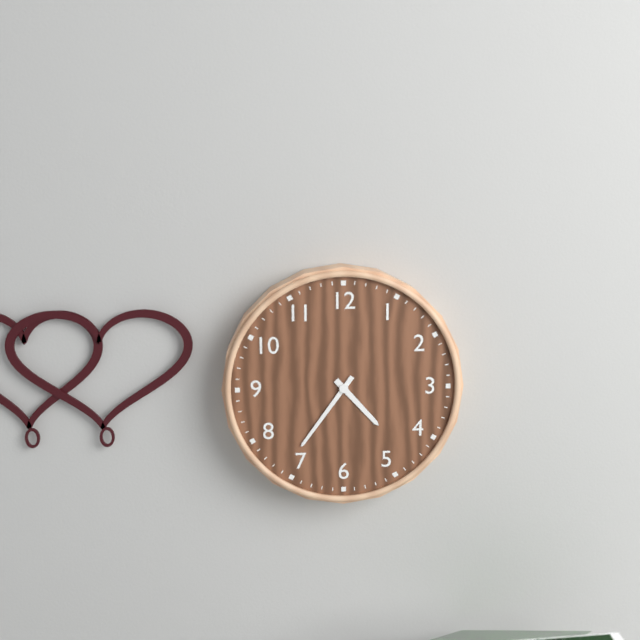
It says 4:36
